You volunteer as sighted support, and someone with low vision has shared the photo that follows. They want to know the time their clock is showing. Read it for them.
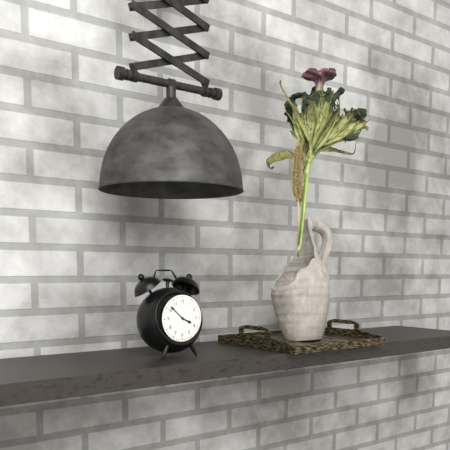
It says 3:52
